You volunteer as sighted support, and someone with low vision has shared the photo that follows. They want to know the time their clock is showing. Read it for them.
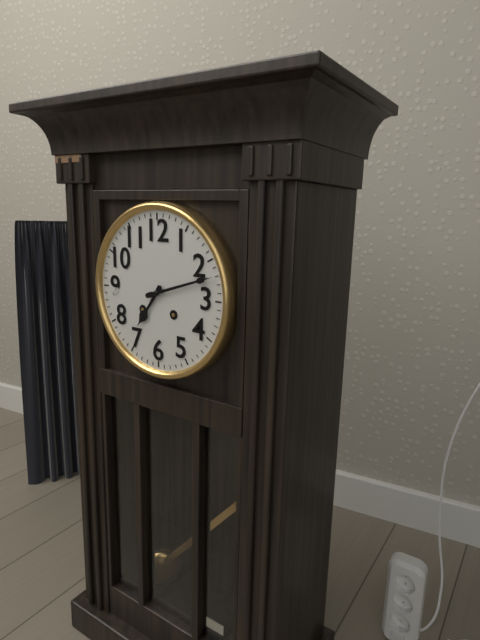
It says 7:12
